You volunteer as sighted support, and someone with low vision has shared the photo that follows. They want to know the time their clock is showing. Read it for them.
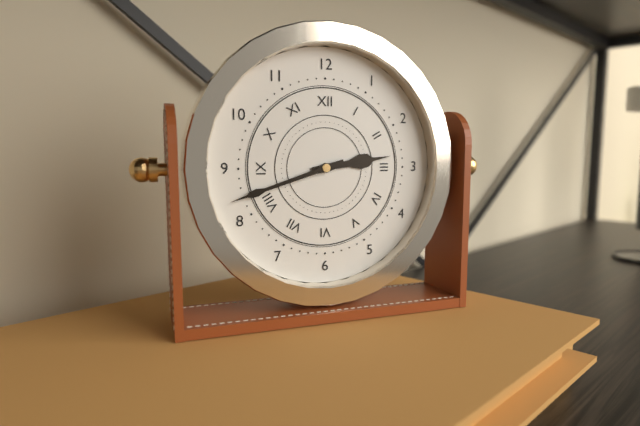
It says 2:42
